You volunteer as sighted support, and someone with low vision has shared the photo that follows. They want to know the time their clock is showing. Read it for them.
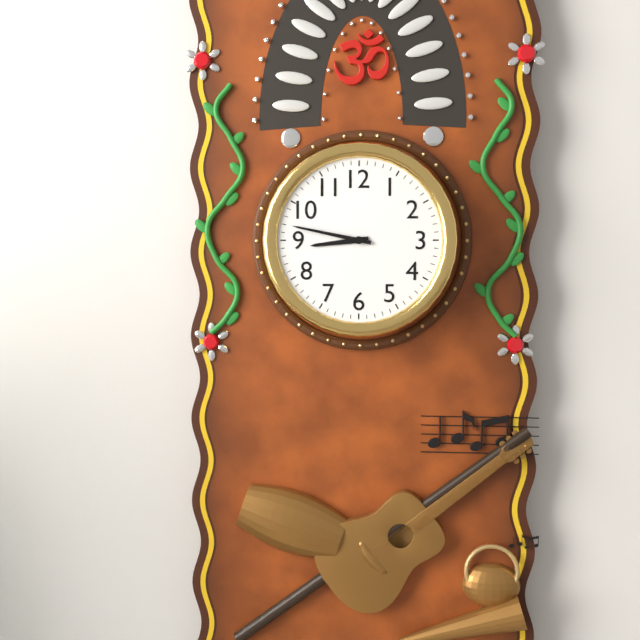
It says 8:47
